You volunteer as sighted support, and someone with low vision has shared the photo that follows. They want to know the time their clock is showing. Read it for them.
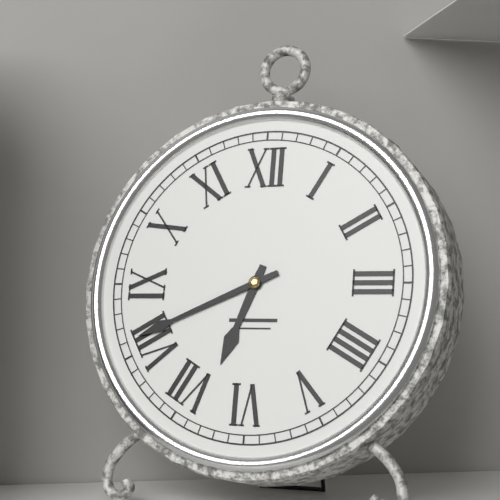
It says 6:41
